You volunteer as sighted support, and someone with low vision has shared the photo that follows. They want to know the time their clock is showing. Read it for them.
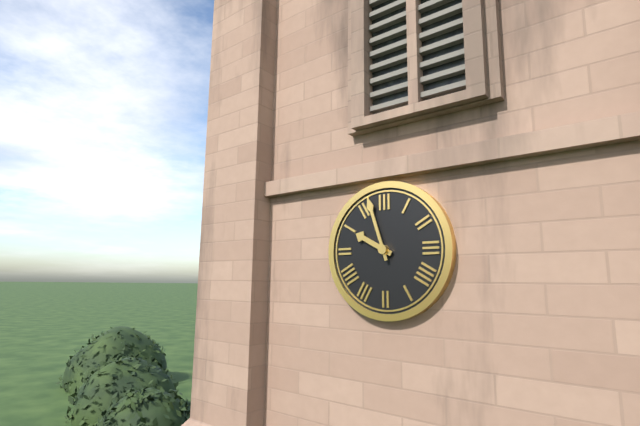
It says 9:57
